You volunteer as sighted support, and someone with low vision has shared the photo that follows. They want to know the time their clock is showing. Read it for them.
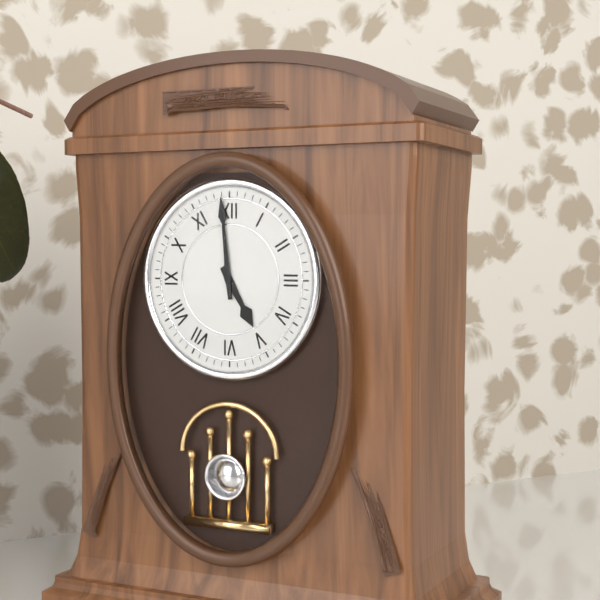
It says 4:59
